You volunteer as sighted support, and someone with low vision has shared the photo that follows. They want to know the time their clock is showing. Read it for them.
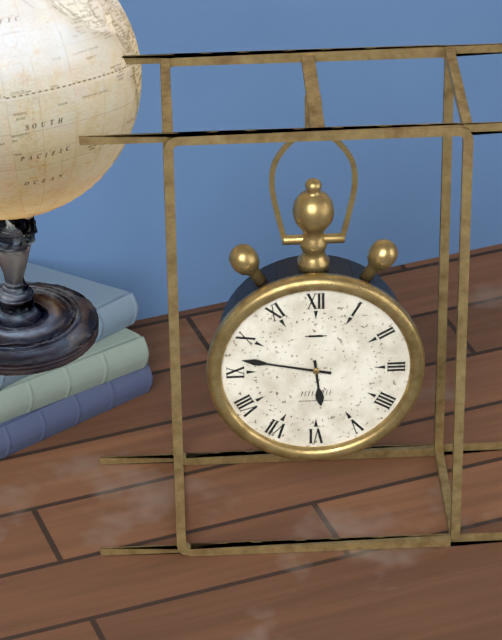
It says 5:47
